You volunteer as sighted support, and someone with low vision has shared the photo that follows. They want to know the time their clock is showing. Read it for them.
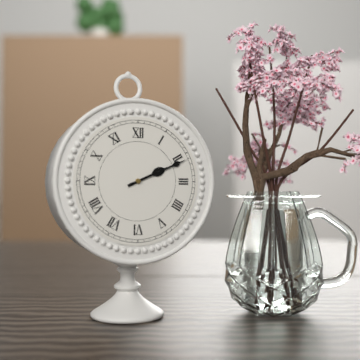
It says 2:11
